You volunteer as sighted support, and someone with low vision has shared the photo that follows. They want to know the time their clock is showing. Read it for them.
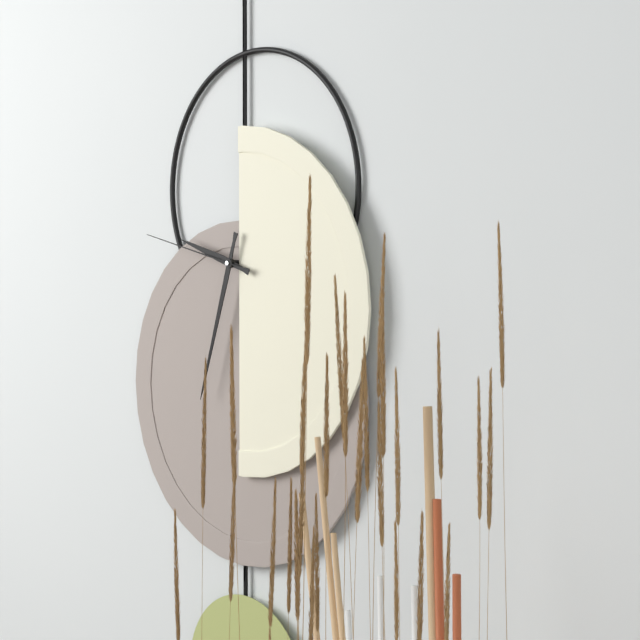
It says 9:33:47
